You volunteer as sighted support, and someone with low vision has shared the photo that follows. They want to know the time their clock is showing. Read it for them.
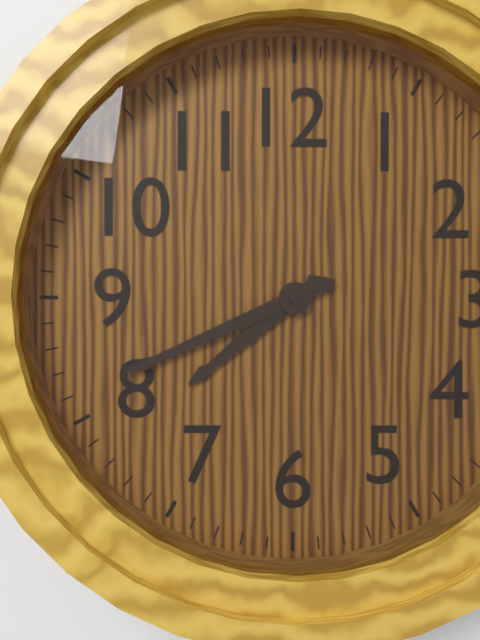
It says 7:41
